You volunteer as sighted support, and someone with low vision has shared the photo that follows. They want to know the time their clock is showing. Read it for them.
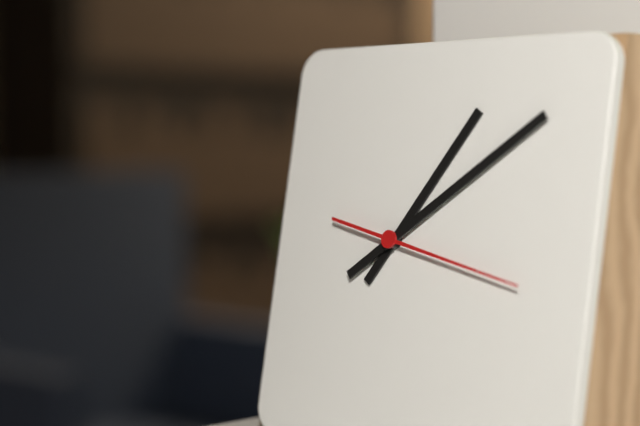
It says 1:09:17
